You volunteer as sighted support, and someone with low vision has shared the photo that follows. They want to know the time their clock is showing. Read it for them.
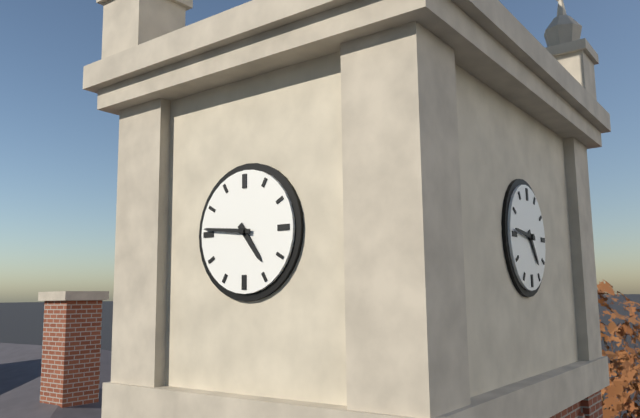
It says 4:46
